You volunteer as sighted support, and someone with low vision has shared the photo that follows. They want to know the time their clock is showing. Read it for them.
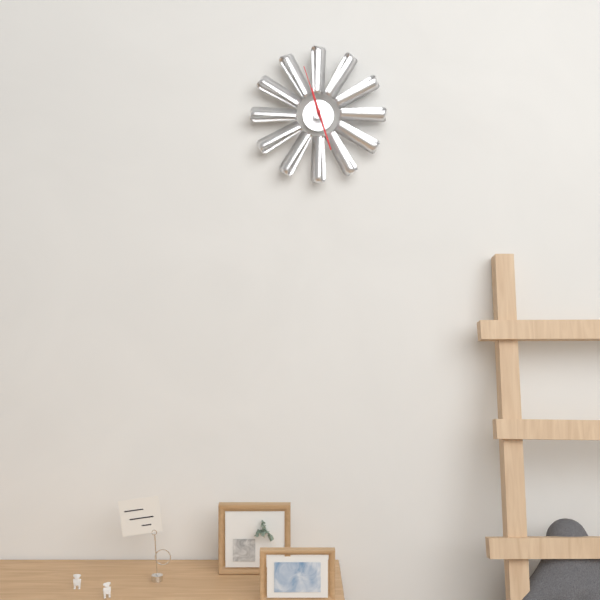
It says 11:27:57
